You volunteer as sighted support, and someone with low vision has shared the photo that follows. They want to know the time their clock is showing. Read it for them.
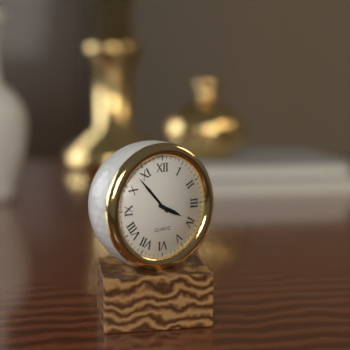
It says 3:53
